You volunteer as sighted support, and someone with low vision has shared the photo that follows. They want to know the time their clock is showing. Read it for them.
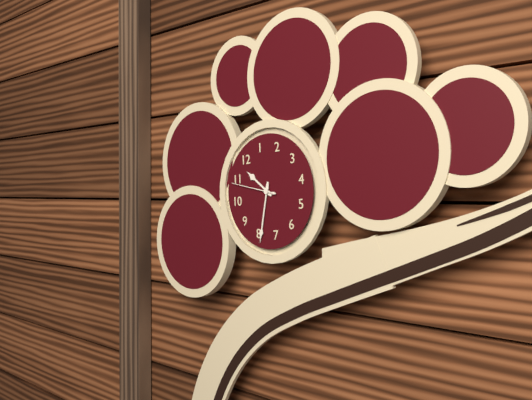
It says 11:39
